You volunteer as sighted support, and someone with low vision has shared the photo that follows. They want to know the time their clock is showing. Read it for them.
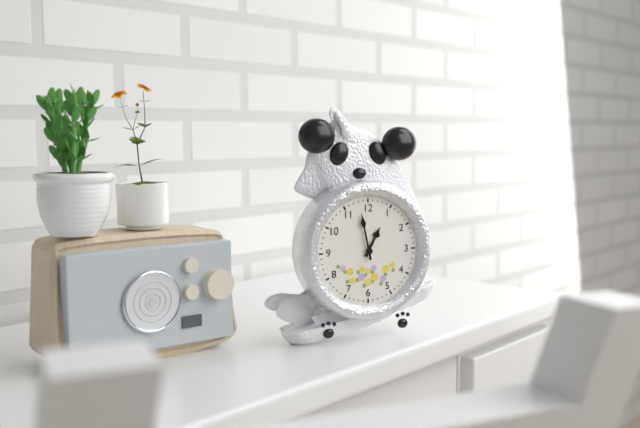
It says 12:58
